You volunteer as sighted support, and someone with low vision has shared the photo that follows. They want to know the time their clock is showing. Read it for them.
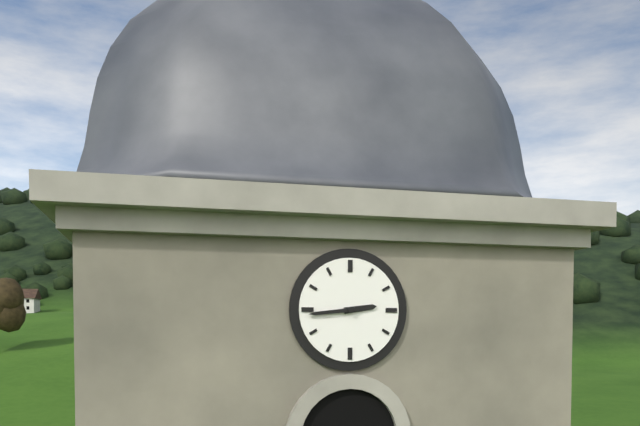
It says 2:44
